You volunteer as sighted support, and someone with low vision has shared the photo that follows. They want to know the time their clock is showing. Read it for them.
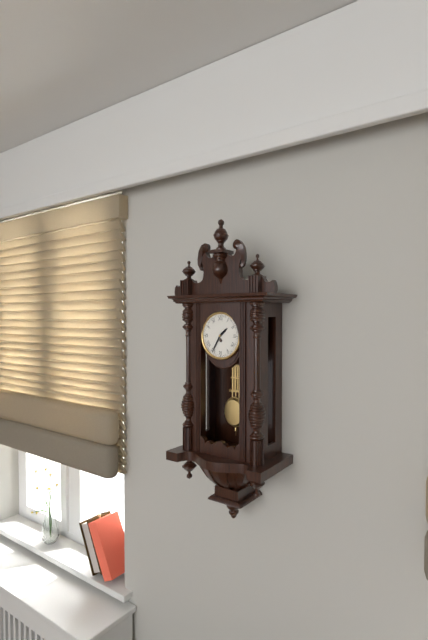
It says 1:35
